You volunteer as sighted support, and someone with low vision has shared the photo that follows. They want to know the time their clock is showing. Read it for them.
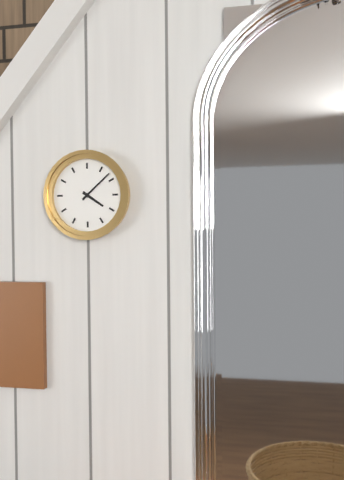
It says 4:08
